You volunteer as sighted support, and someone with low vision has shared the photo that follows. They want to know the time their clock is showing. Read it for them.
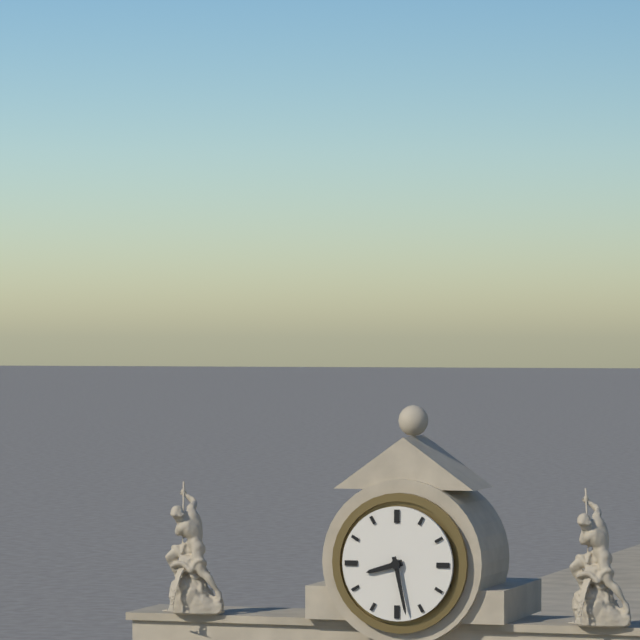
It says 8:28
